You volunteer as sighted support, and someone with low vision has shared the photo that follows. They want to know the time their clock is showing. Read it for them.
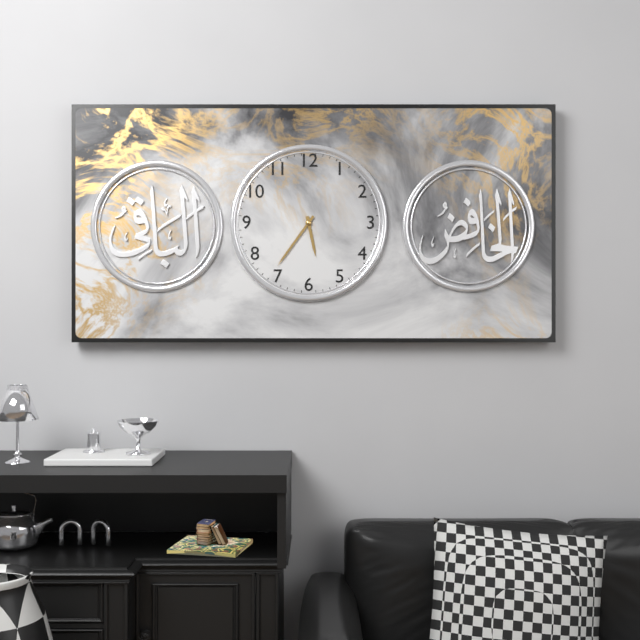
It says 5:36
